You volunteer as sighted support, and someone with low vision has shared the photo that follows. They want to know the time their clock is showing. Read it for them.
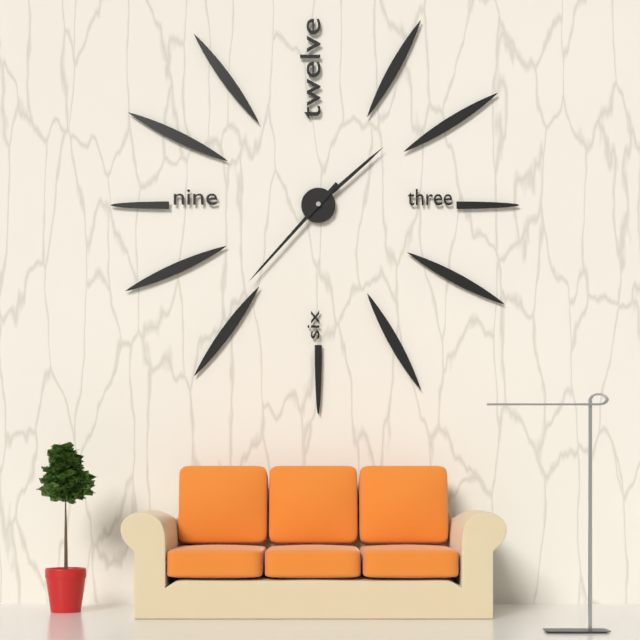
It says 1:37
